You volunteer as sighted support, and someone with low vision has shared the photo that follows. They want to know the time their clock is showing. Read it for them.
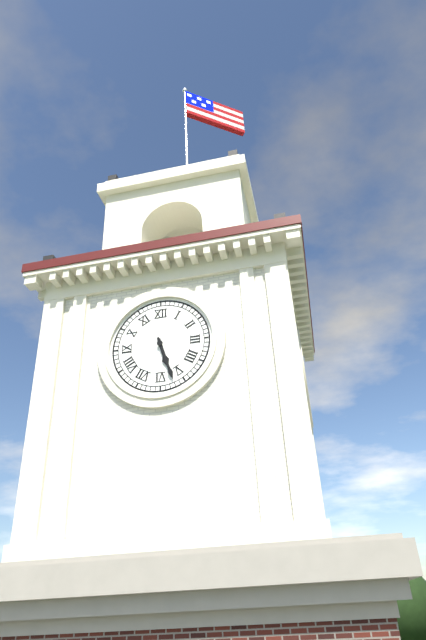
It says 5:27
